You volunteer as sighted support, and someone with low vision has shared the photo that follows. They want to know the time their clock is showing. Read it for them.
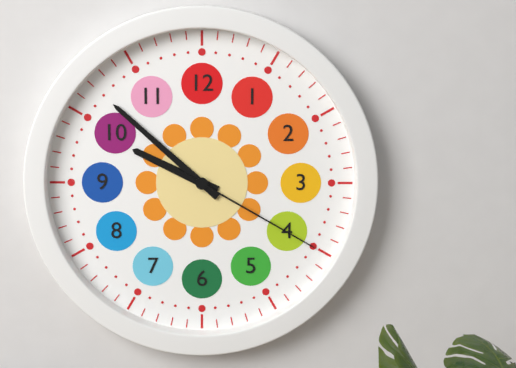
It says 9:52:20
